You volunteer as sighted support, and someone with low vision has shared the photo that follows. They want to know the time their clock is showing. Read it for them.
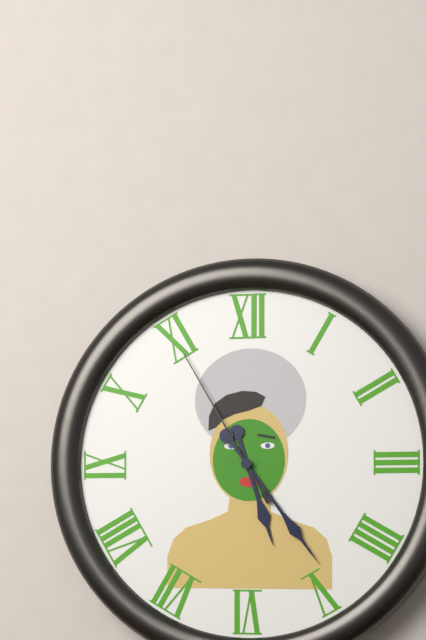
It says 5:24:55
